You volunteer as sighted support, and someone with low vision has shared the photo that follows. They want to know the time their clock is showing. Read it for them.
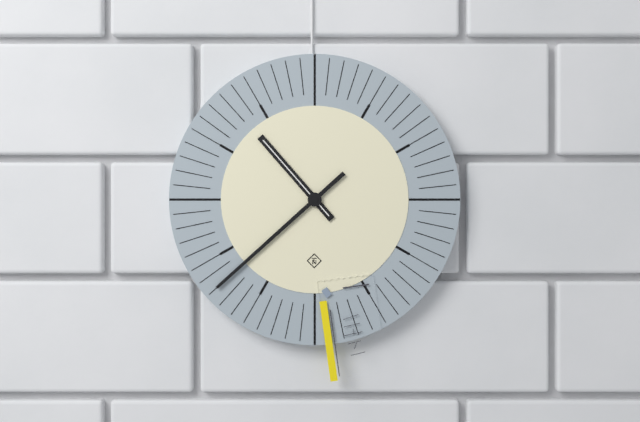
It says 10:38
